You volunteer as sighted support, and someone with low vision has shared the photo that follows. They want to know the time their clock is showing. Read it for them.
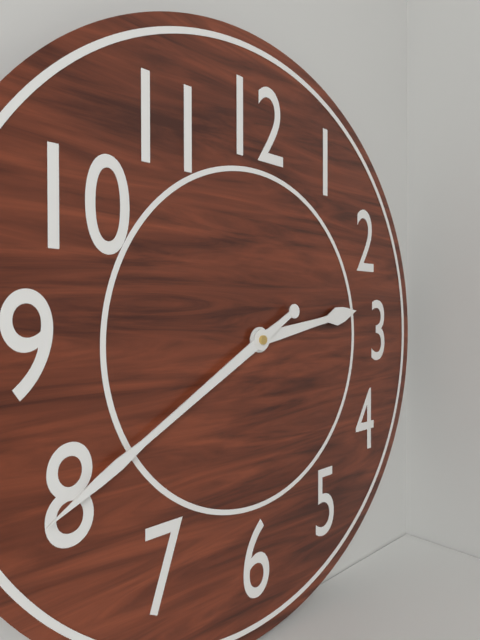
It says 2:40
